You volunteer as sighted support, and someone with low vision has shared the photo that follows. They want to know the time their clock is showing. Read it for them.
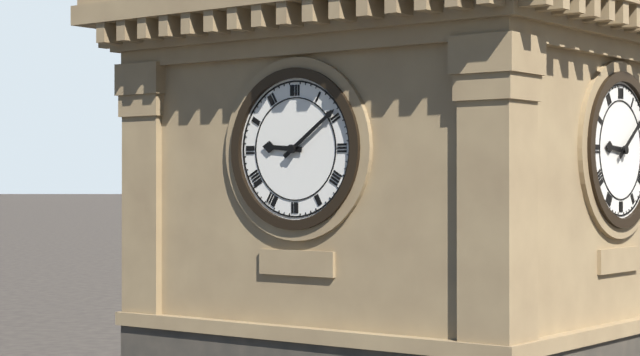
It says 9:09
